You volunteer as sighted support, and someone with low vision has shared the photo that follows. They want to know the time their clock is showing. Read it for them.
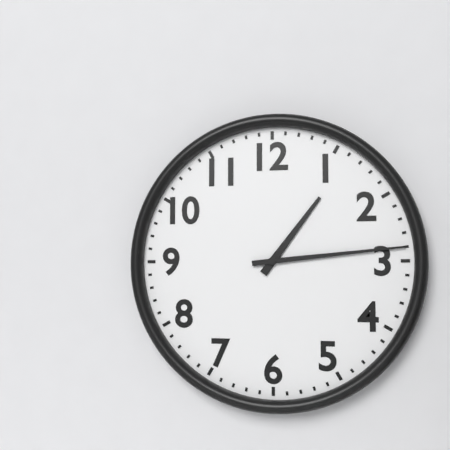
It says 1:14
